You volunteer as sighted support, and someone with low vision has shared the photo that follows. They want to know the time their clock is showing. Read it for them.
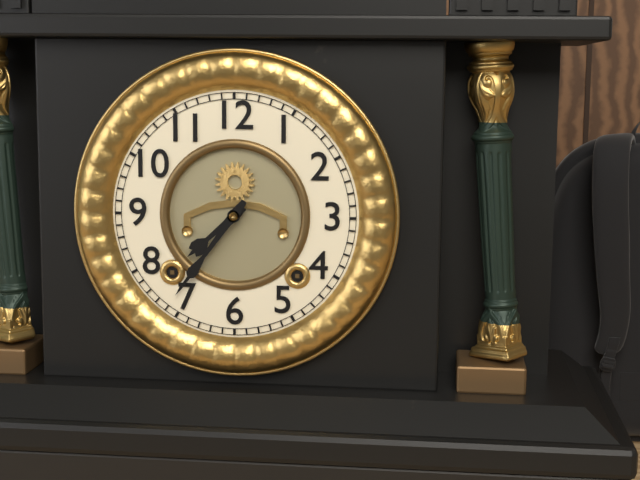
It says 7:36
